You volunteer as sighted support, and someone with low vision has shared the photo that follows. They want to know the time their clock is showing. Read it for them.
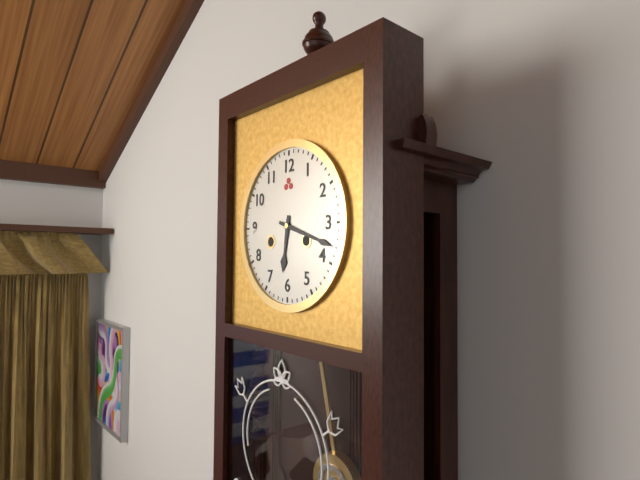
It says 6:18
